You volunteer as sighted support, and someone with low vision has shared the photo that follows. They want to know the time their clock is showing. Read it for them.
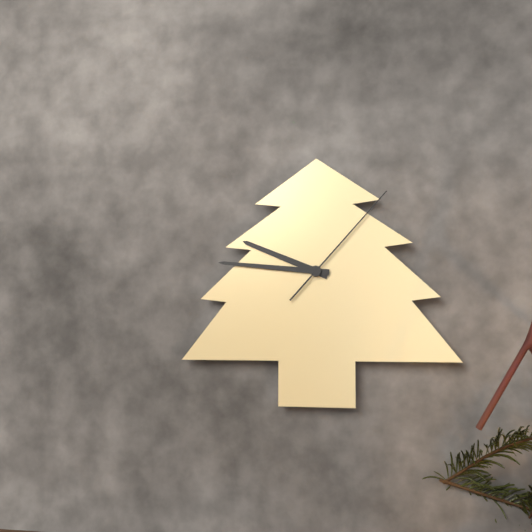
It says 9:46:07
